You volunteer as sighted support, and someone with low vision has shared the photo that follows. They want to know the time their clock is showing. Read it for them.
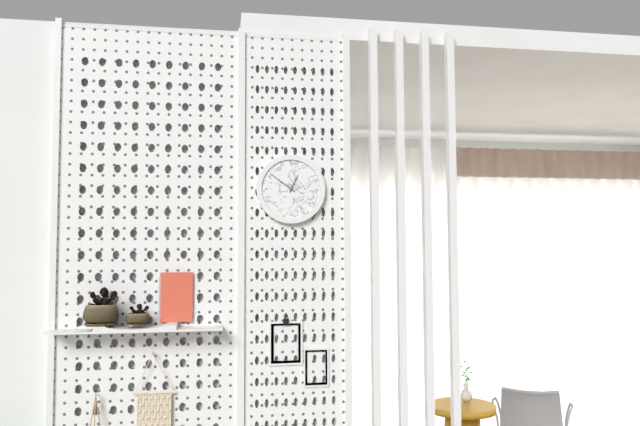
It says 12:51
